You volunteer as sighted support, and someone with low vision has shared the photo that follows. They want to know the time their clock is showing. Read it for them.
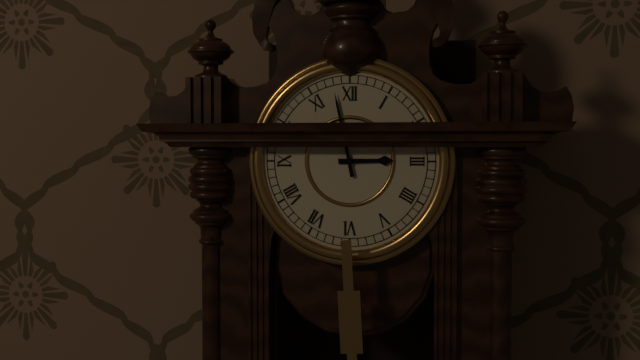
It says 2:58
